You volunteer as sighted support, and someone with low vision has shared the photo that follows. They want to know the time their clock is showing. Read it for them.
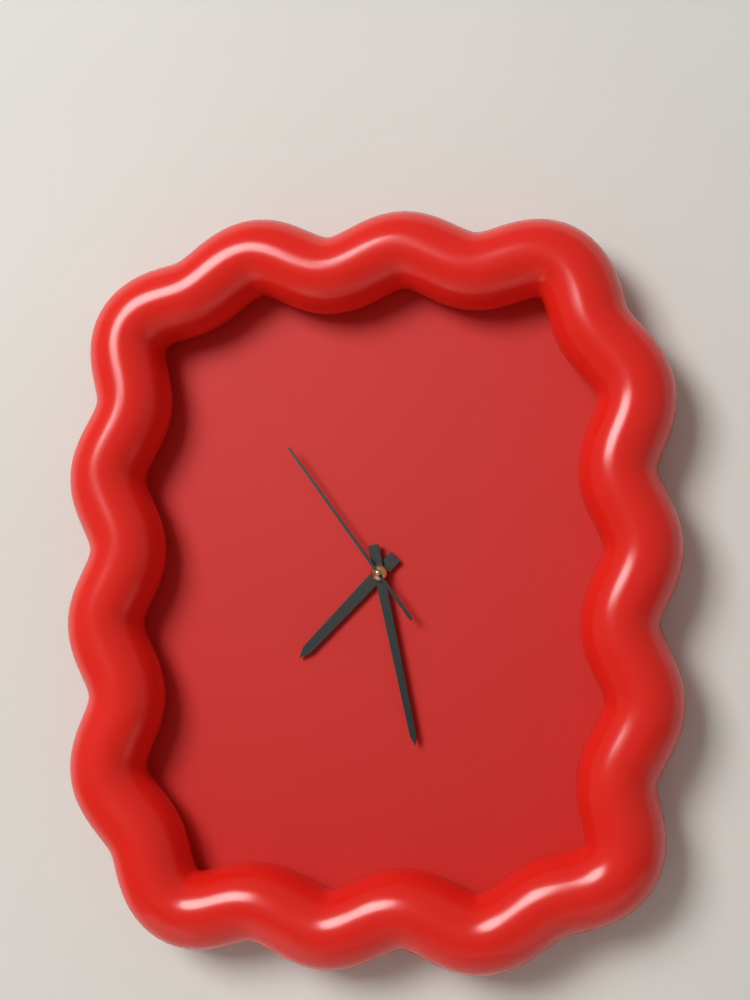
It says 7:28:54
